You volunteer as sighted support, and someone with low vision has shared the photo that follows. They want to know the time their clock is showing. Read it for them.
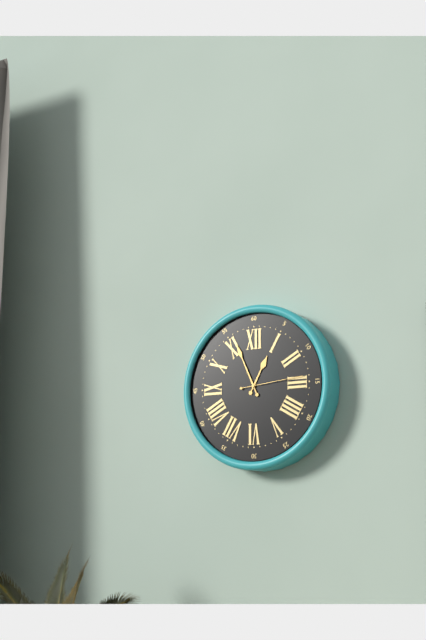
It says 12:56:14
